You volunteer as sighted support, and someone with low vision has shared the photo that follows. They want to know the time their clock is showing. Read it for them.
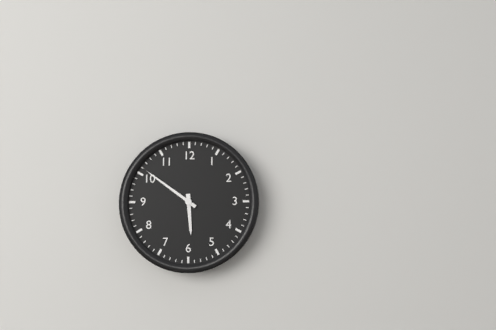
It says 5:51
